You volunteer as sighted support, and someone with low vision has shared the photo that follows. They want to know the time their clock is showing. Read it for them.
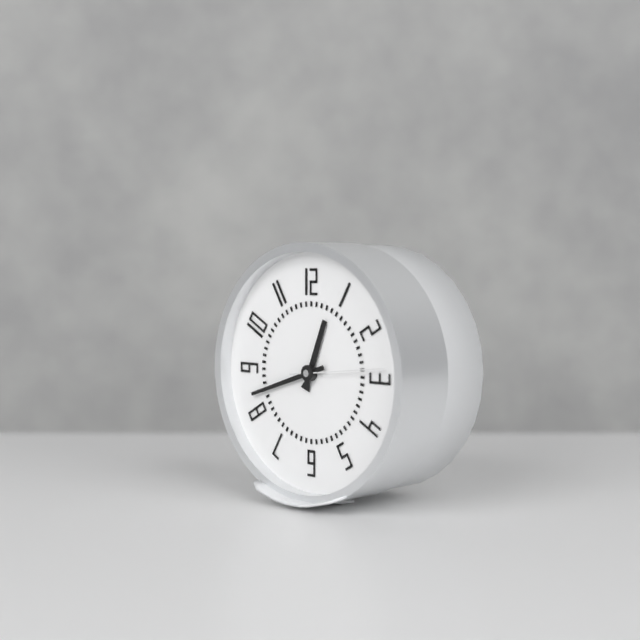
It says 12:42:14
